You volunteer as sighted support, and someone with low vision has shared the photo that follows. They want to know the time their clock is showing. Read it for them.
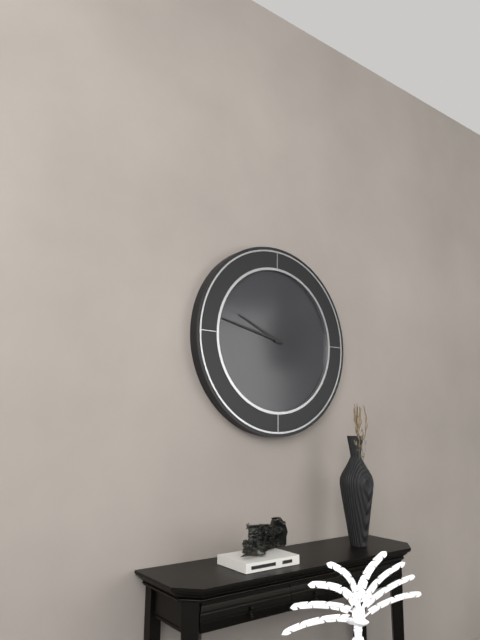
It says 9:47
